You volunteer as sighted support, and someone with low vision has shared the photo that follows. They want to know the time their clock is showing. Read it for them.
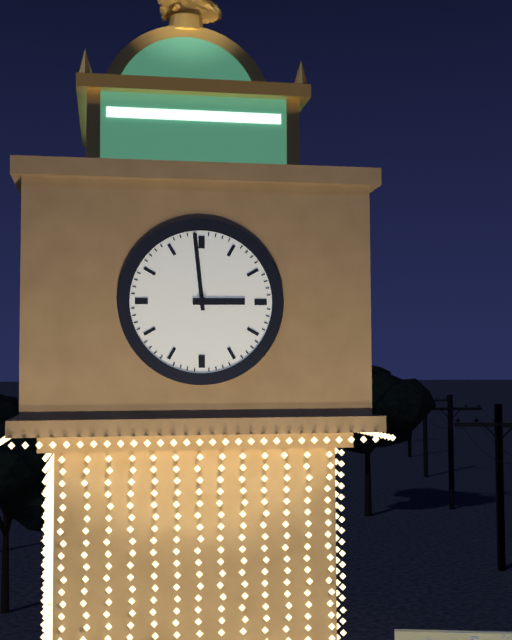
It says 2:59
